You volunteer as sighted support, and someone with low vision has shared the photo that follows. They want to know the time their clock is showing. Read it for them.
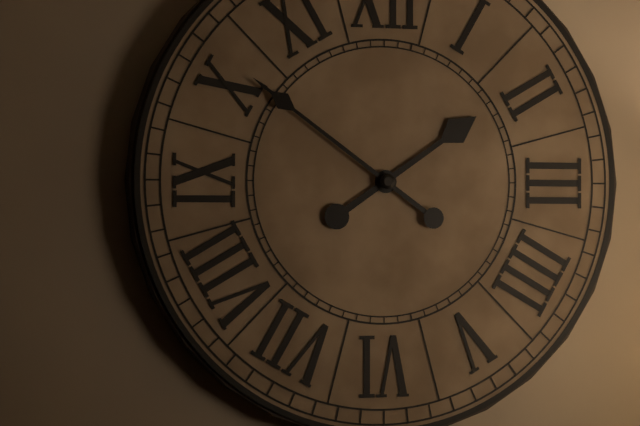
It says 1:51
